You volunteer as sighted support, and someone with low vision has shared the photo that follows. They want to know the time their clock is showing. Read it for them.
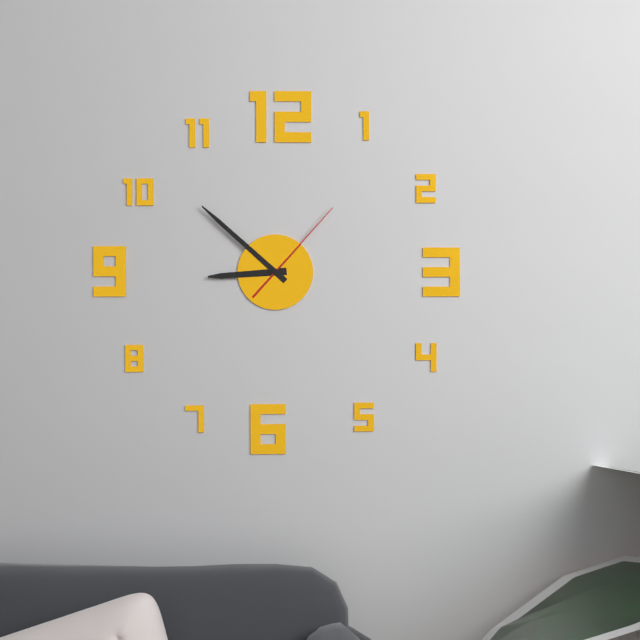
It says 8:52:07
